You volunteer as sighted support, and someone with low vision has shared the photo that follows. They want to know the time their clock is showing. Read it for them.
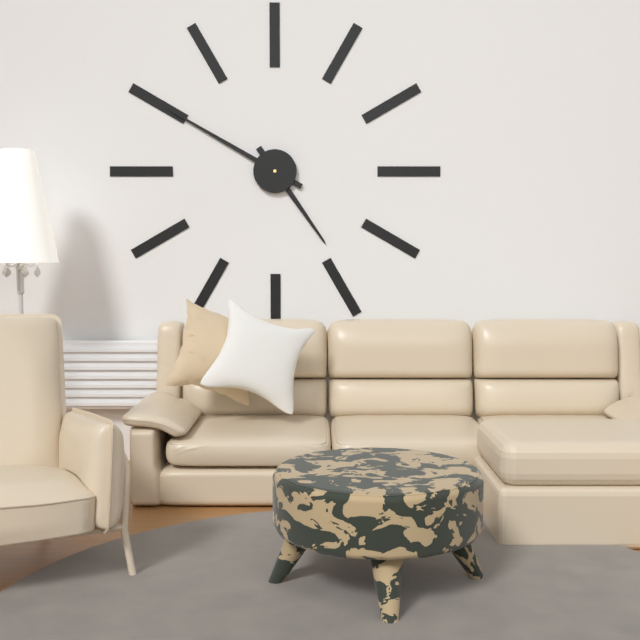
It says 4:50
